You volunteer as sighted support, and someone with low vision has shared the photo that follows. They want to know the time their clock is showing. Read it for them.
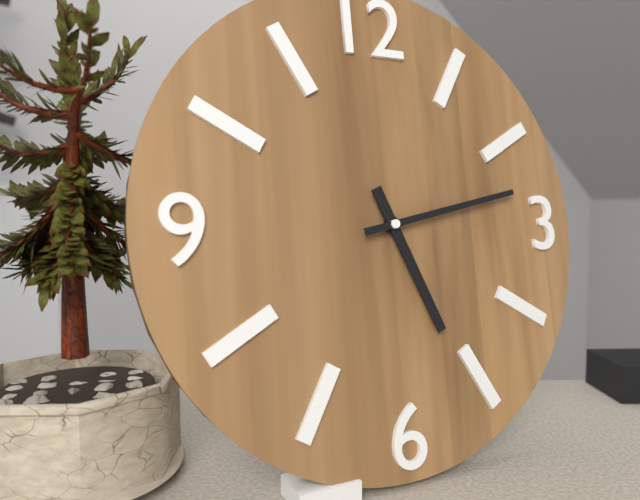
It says 5:13
